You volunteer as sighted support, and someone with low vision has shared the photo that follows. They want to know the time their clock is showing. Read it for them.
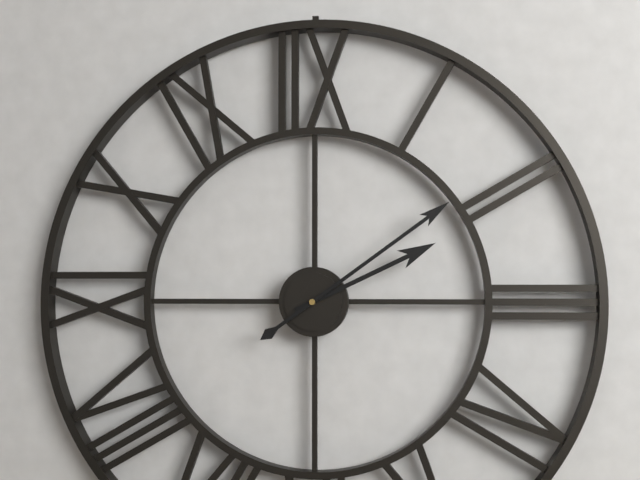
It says 2:09
